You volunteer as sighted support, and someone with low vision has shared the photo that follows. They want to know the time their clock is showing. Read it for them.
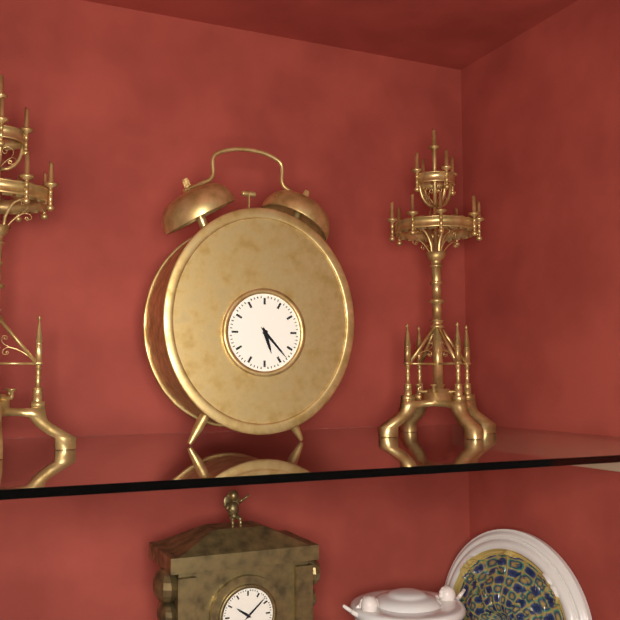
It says 5:23
